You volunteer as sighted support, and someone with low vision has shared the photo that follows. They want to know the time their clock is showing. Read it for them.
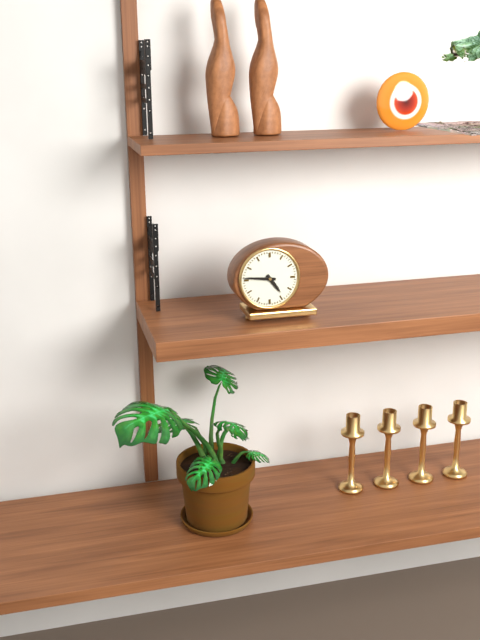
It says 4:46
